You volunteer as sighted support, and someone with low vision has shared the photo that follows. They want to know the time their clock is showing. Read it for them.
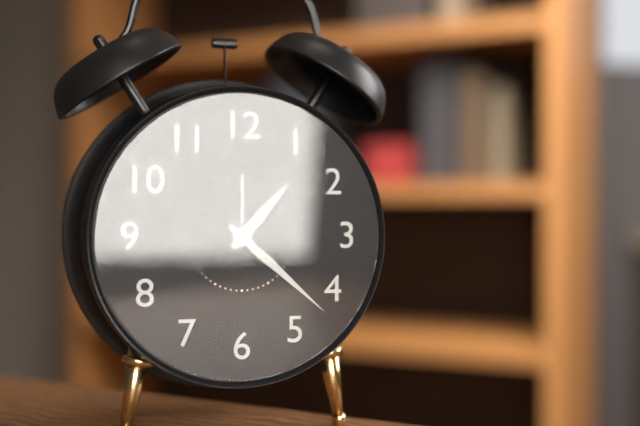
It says 1:22
